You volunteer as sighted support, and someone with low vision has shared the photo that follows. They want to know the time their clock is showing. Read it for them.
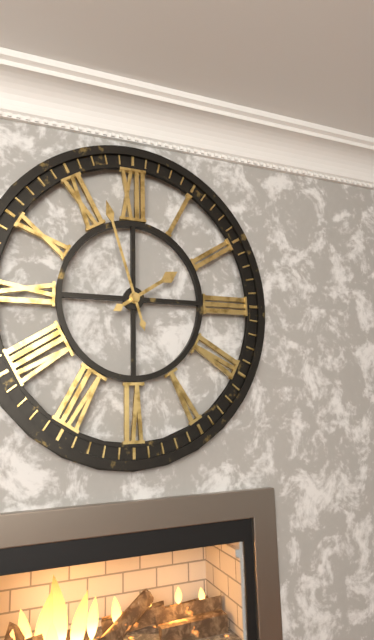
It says 1:57
